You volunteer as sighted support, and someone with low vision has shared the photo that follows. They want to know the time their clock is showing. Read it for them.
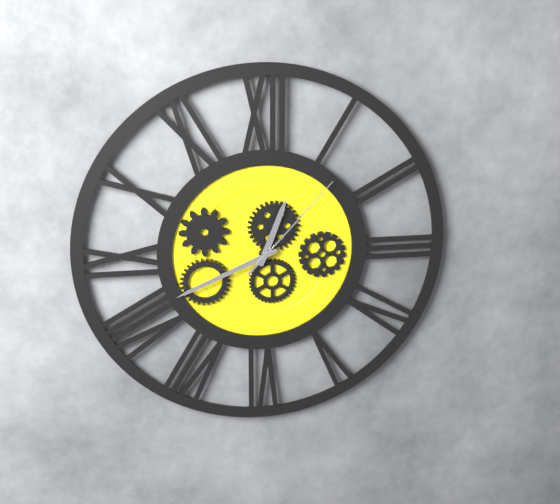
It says 12:41:07
